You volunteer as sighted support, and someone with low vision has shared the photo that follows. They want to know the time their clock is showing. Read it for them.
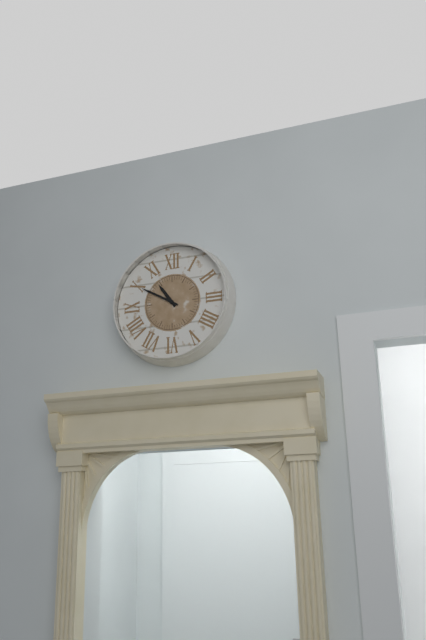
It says 10:50
